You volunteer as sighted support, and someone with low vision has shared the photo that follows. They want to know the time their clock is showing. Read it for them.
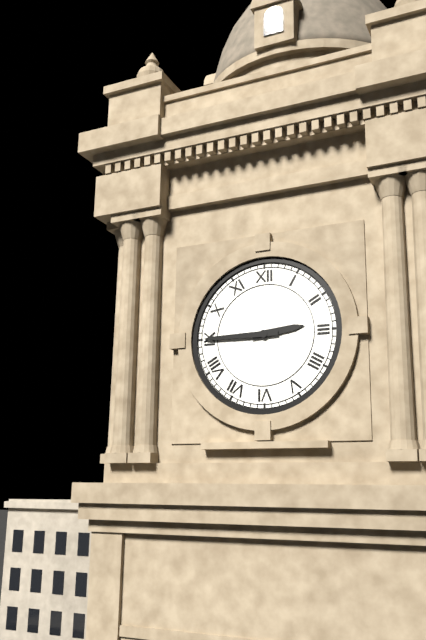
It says 2:45
